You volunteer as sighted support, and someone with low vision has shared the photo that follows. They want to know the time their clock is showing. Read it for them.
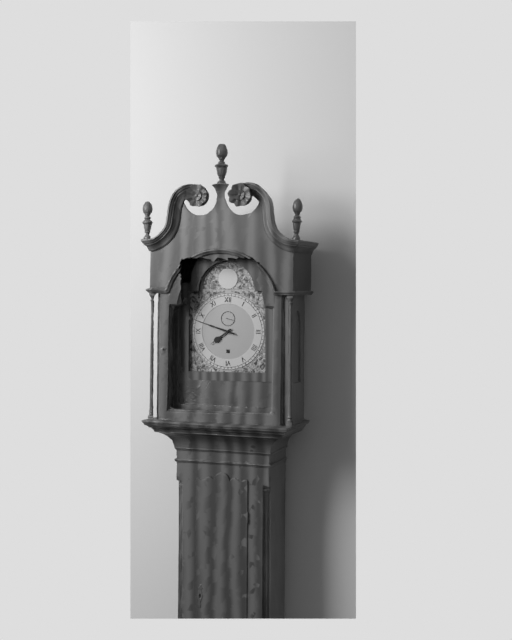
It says 7:48
